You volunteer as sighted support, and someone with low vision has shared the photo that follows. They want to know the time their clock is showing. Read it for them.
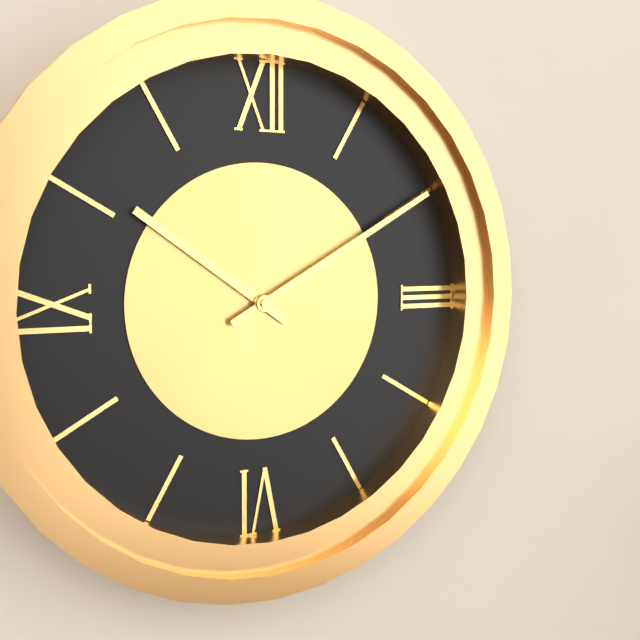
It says 10:10
